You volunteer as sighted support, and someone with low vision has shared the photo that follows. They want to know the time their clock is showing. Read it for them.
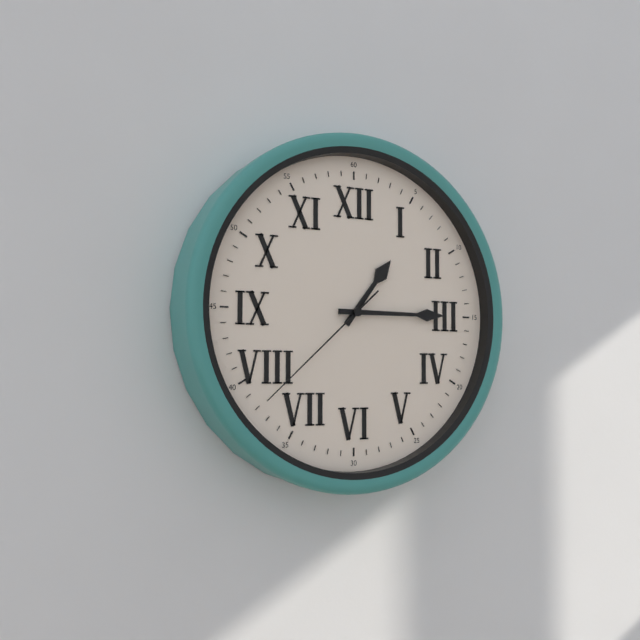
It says 1:15:38
